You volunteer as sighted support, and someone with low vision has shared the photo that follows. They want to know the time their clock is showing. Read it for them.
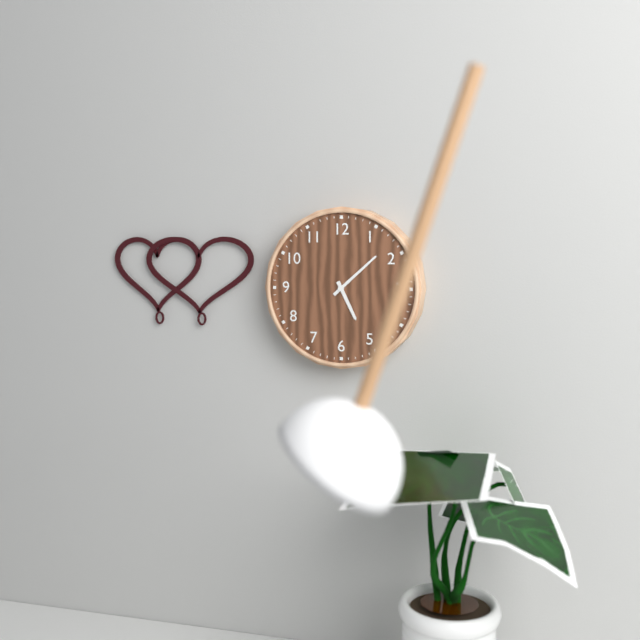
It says 5:08
